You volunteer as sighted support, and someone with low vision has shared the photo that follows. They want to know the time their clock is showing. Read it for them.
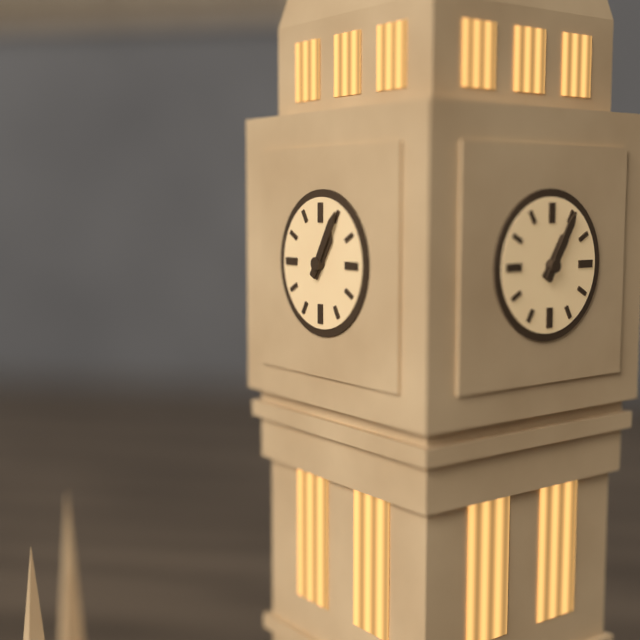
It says 1:05
